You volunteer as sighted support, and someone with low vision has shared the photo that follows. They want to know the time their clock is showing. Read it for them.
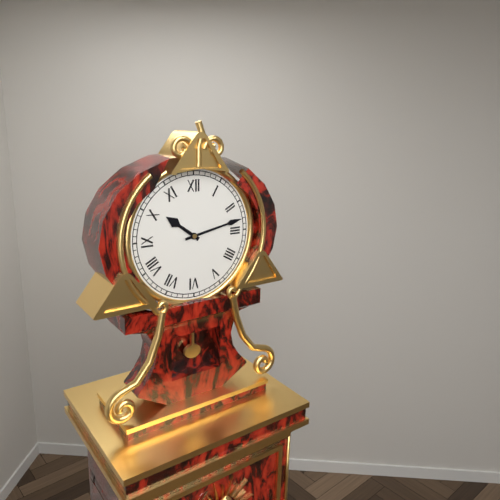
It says 10:13
